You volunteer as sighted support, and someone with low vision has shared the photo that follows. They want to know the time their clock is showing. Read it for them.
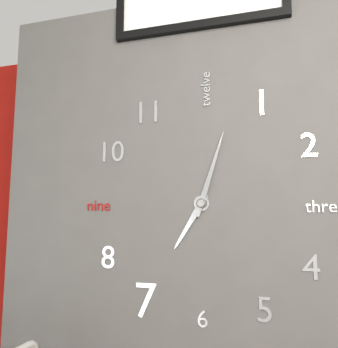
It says 7:03
